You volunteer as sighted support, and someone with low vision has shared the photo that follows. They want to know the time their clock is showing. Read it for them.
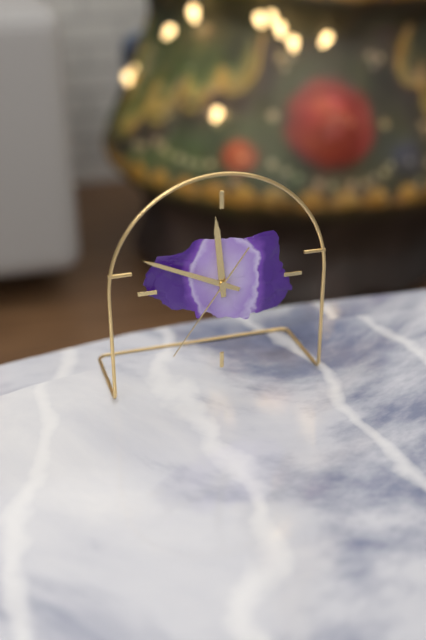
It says 11:49:36
